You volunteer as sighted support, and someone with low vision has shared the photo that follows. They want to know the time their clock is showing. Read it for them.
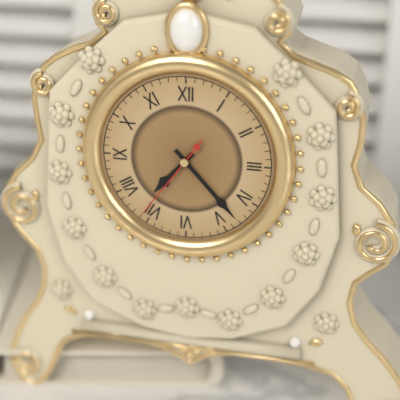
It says 7:23:36
